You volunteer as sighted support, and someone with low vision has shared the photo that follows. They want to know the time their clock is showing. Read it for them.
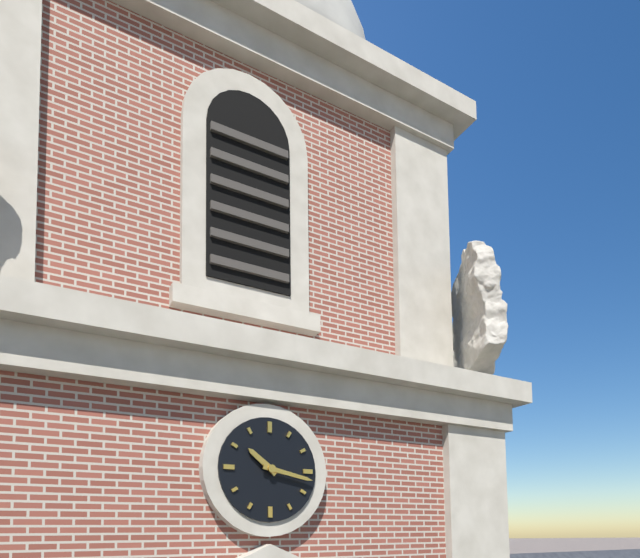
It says 10:17
